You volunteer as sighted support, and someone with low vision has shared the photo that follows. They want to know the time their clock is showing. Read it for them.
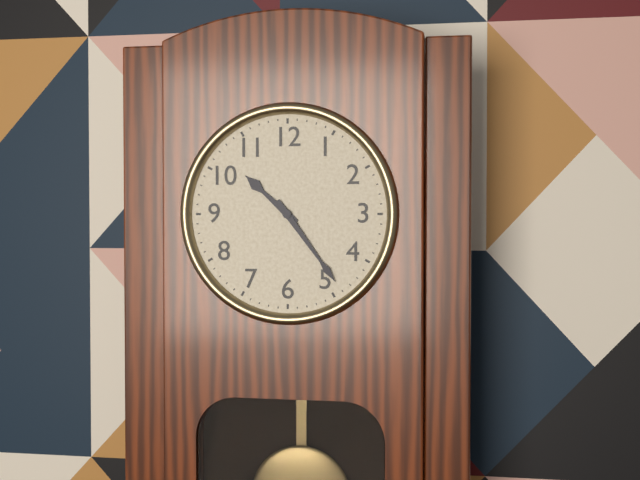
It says 10:24
